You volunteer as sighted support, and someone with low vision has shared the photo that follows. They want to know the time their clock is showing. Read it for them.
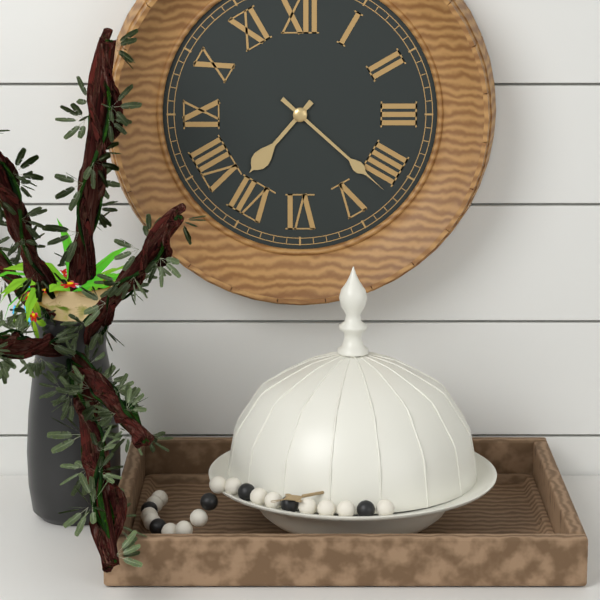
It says 7:22
